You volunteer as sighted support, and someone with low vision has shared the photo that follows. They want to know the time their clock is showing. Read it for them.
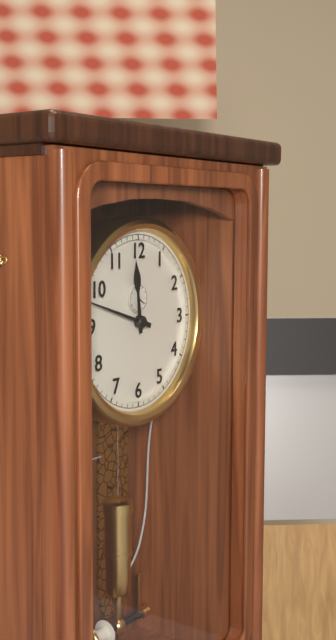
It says 11:48
